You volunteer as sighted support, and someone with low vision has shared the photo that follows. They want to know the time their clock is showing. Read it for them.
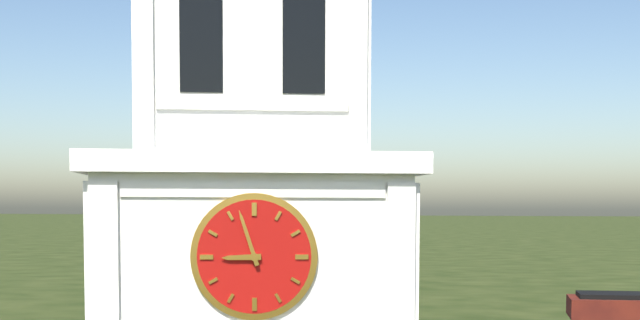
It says 8:57
